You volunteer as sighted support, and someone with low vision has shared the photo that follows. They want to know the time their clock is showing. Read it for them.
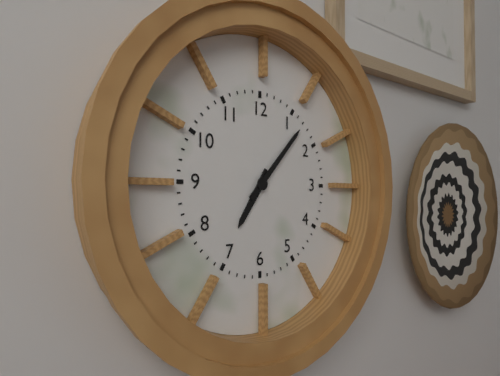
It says 7:07
